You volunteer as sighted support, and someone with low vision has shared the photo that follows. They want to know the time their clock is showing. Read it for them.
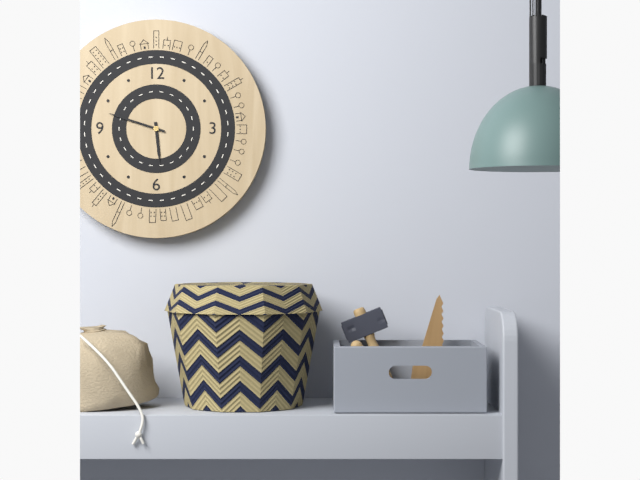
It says 5:48
